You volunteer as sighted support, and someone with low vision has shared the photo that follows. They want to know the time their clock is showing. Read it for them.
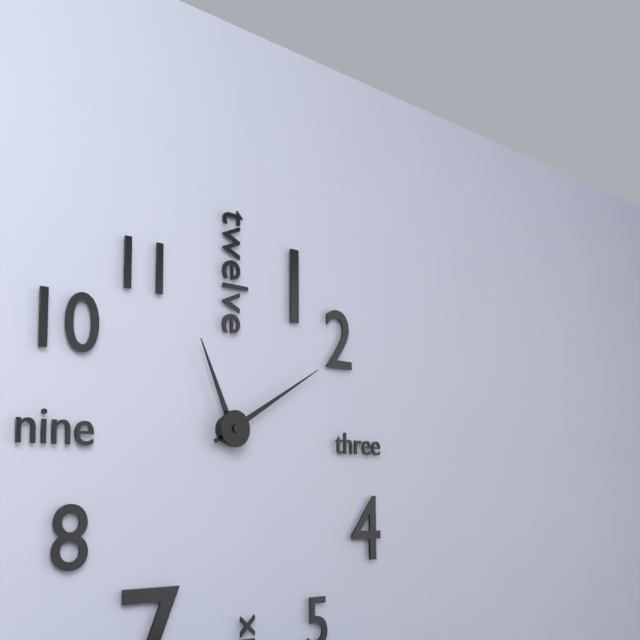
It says 11:10
